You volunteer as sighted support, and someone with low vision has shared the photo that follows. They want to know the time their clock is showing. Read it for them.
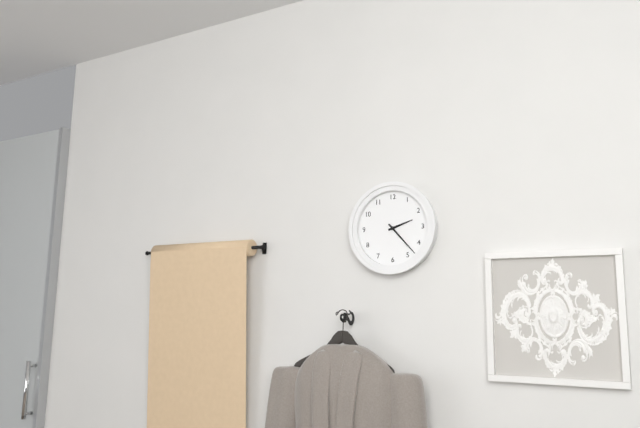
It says 2:23
